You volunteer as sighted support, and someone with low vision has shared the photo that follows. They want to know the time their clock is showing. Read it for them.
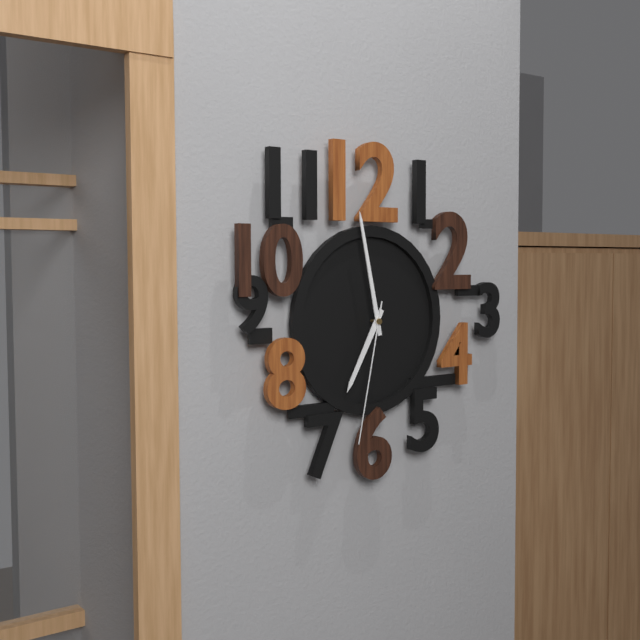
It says 6:58:32
